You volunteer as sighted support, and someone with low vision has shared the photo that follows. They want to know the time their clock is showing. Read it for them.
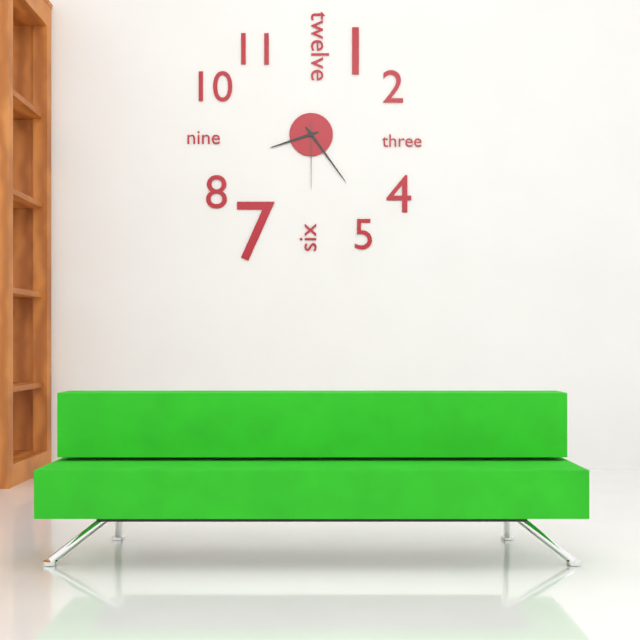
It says 8:24:30
